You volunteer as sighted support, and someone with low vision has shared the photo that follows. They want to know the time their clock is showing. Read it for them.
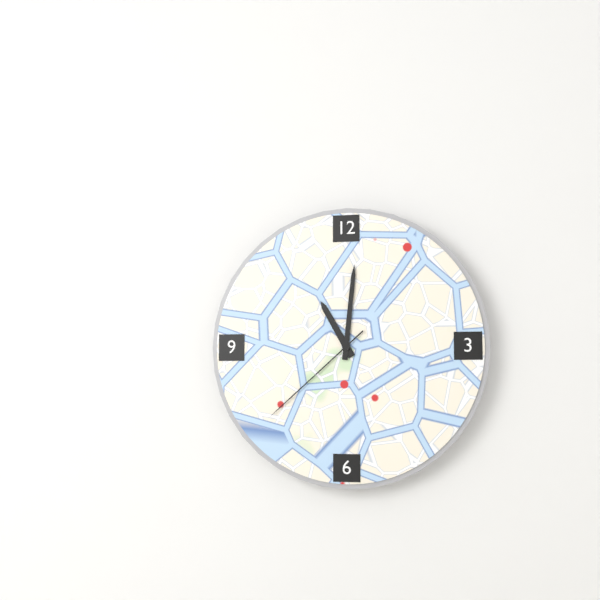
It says 11:01:38
